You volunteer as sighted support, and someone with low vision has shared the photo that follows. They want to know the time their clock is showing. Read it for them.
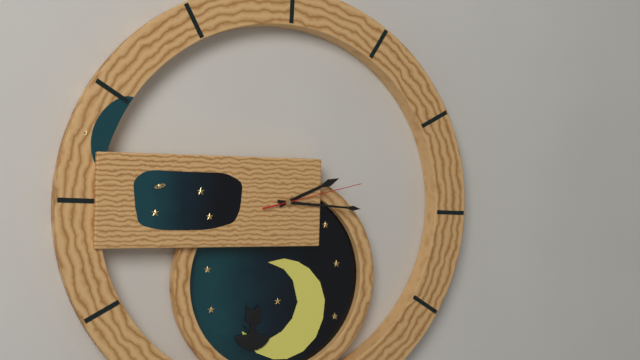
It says 2:16:13
